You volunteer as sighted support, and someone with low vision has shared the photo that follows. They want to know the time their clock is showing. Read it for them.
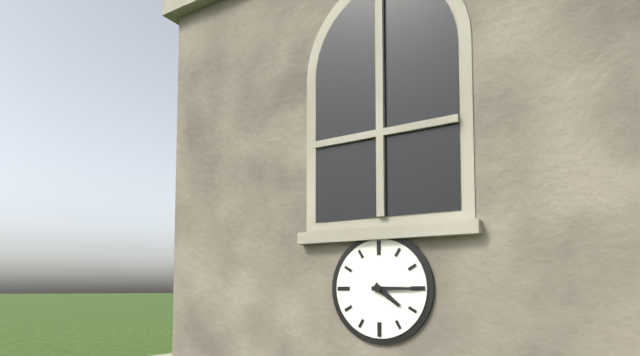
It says 4:15
